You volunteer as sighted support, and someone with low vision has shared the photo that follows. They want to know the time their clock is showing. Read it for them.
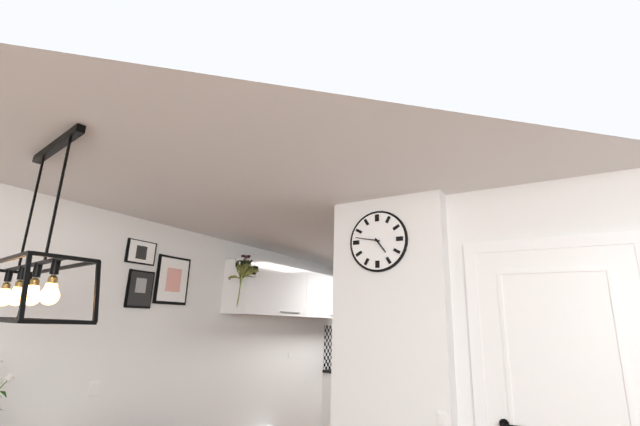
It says 4:47
